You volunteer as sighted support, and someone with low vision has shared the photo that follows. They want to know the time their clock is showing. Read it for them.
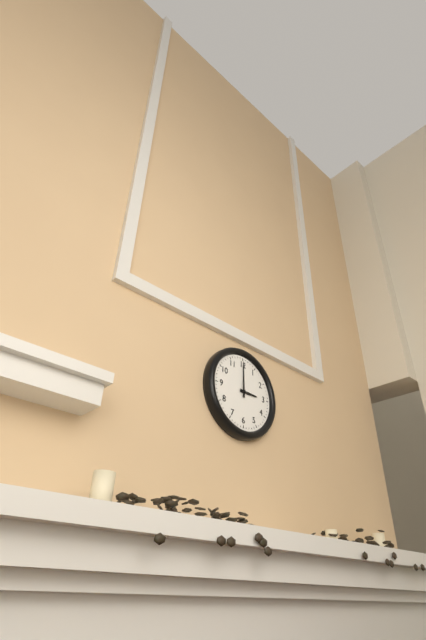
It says 3:00
